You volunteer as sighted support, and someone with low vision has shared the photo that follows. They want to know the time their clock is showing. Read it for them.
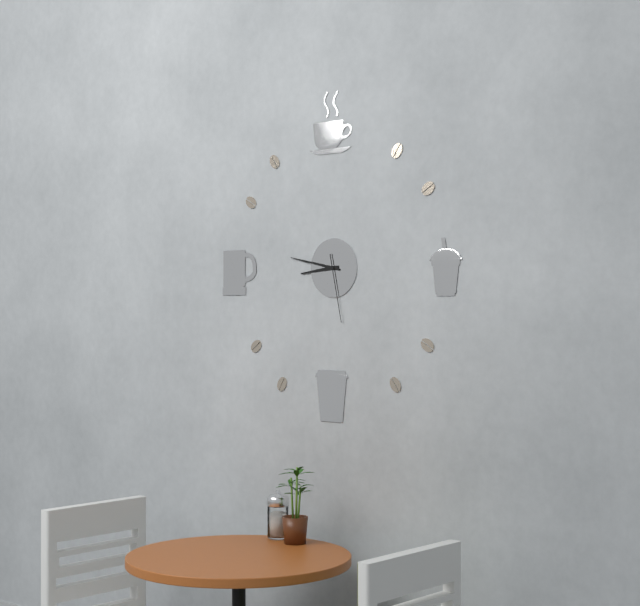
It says 8:47:28
